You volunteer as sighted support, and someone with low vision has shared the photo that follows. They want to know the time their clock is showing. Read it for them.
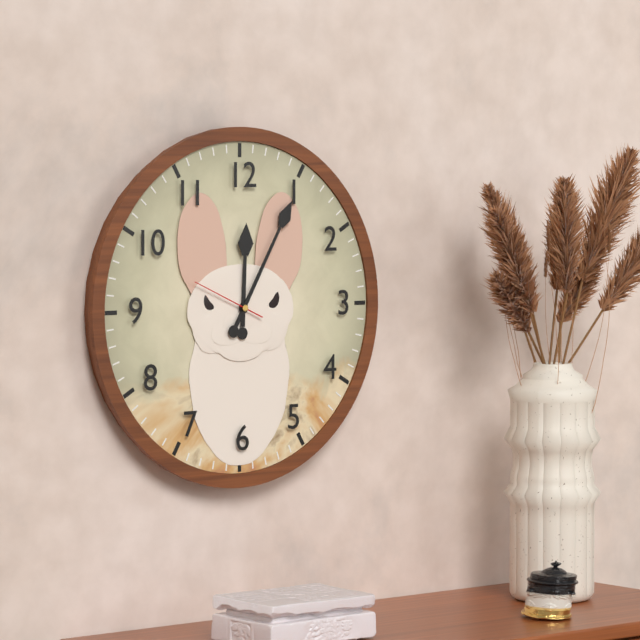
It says 12:05:49
